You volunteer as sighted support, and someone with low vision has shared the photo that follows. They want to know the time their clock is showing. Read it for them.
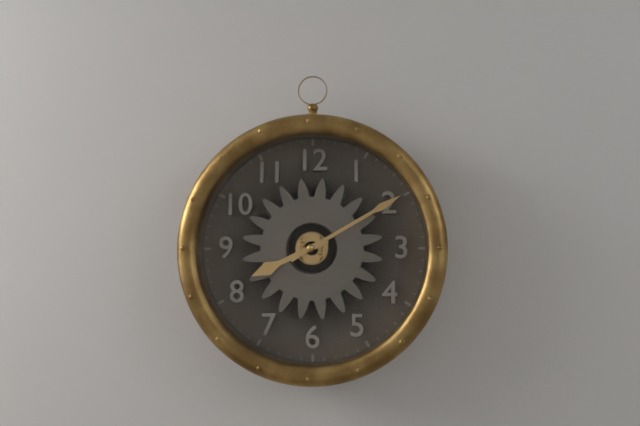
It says 8:10
